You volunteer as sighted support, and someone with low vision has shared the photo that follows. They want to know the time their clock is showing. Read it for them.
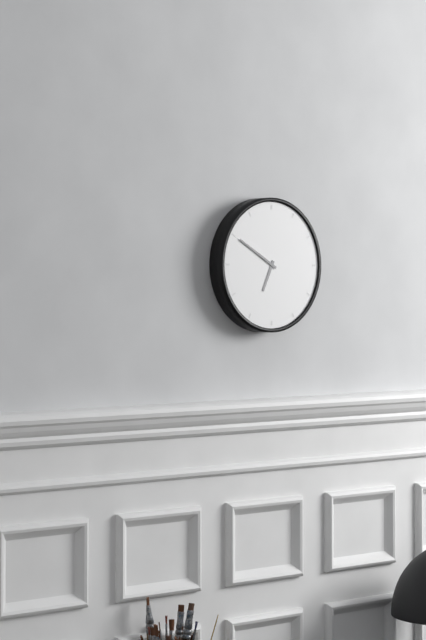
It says 6:50
